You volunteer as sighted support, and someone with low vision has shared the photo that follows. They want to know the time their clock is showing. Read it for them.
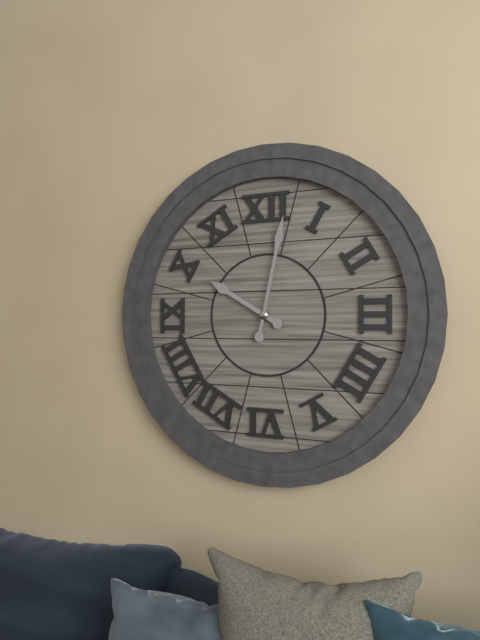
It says 10:02
